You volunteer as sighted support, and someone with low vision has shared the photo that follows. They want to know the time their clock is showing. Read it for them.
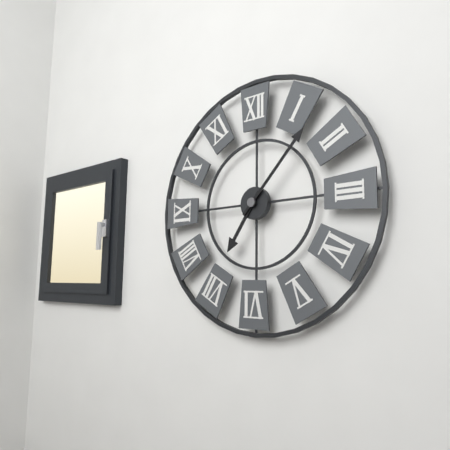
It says 7:07
